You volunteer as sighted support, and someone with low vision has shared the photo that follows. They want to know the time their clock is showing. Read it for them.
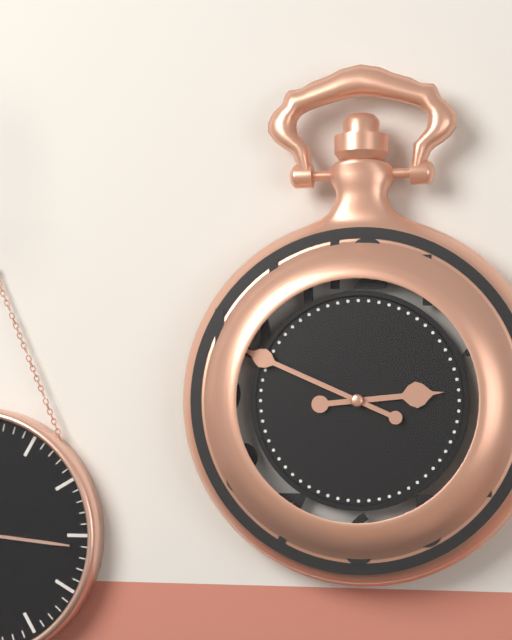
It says 2:49
